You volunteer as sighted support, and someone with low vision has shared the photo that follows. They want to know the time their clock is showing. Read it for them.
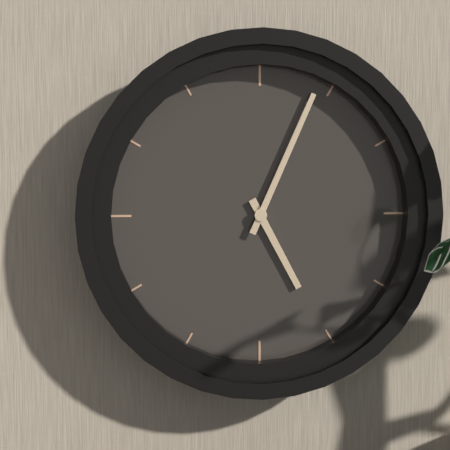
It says 5:04
